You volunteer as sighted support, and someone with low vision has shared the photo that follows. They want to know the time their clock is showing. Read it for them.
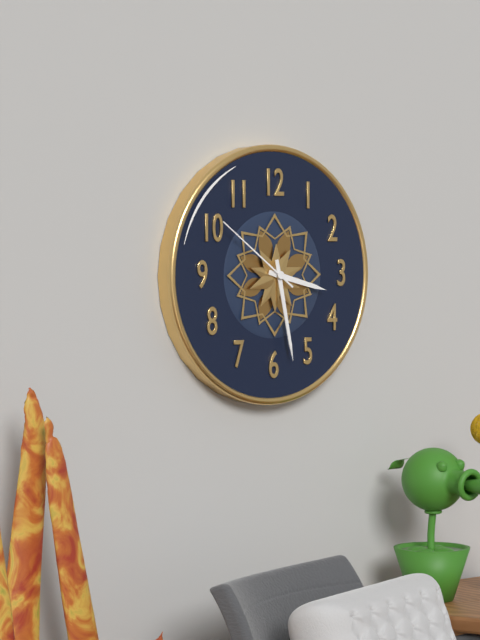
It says 3:28:51
